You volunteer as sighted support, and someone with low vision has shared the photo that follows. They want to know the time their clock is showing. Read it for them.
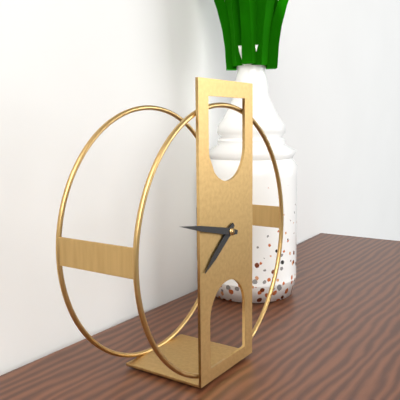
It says 7:47
